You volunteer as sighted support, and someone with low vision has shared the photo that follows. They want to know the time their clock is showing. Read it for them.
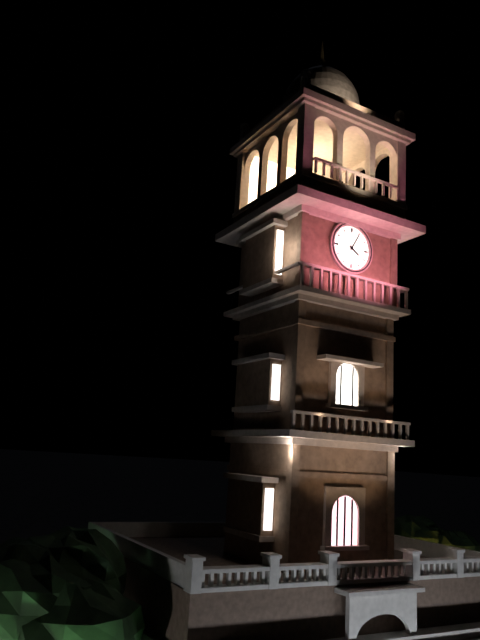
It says 4:05
